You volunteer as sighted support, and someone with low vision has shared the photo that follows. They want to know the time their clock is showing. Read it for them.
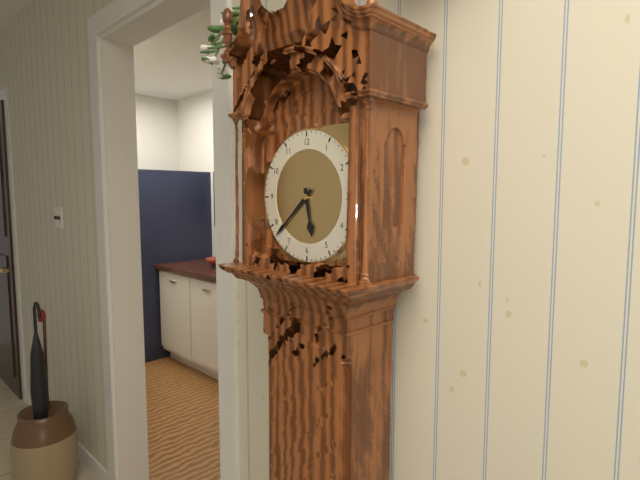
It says 5:38
